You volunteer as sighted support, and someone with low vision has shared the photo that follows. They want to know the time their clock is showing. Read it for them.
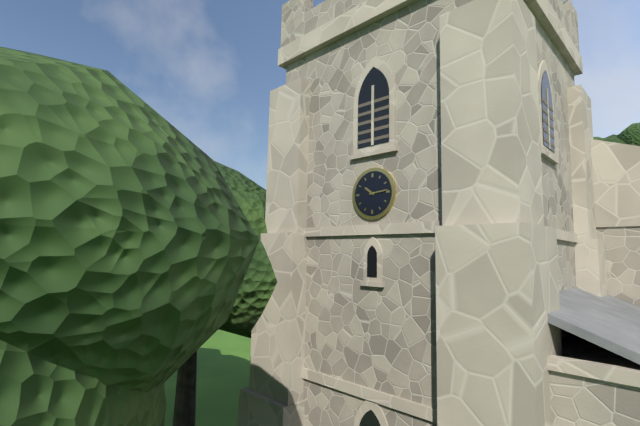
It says 10:14
